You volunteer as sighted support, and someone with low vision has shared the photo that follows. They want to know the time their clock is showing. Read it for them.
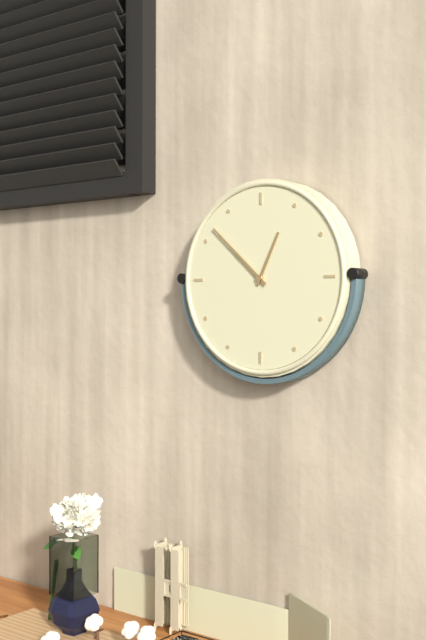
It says 12:52
